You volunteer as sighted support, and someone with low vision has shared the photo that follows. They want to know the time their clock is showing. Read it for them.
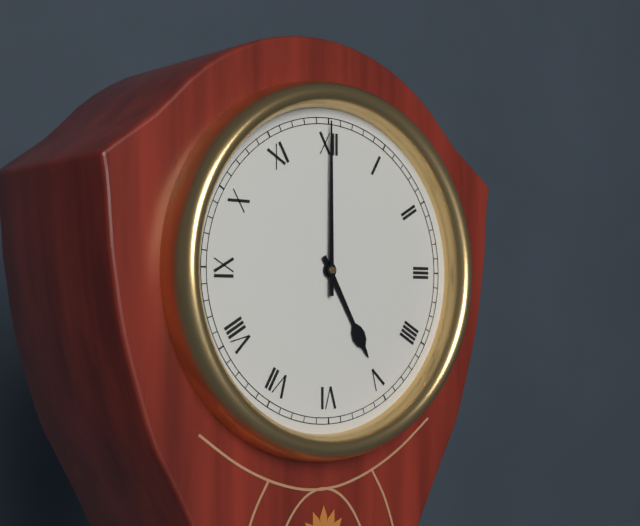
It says 5:00
